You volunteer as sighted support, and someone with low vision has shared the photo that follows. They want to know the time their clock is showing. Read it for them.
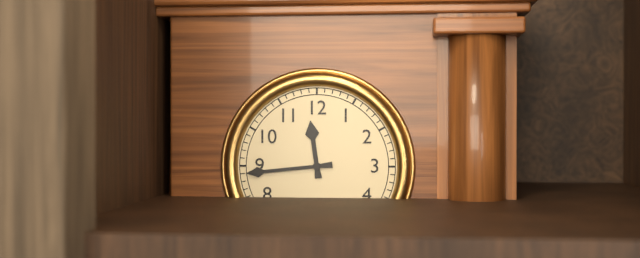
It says 11:44
